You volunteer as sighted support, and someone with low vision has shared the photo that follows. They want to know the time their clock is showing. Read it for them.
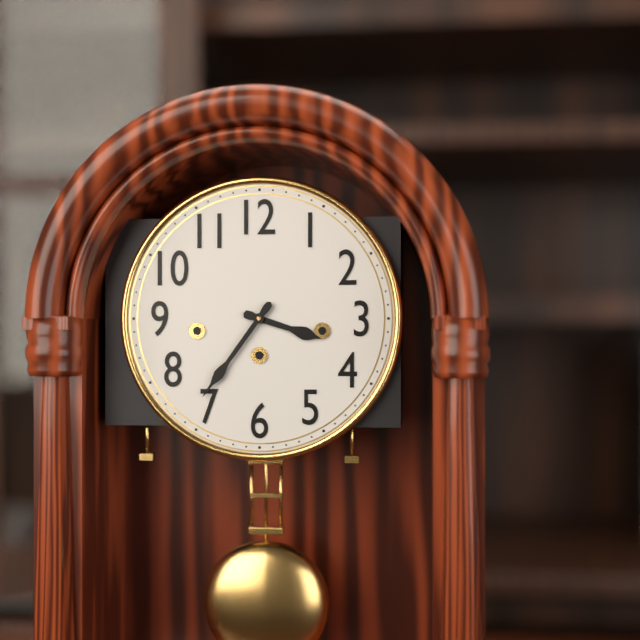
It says 3:36
